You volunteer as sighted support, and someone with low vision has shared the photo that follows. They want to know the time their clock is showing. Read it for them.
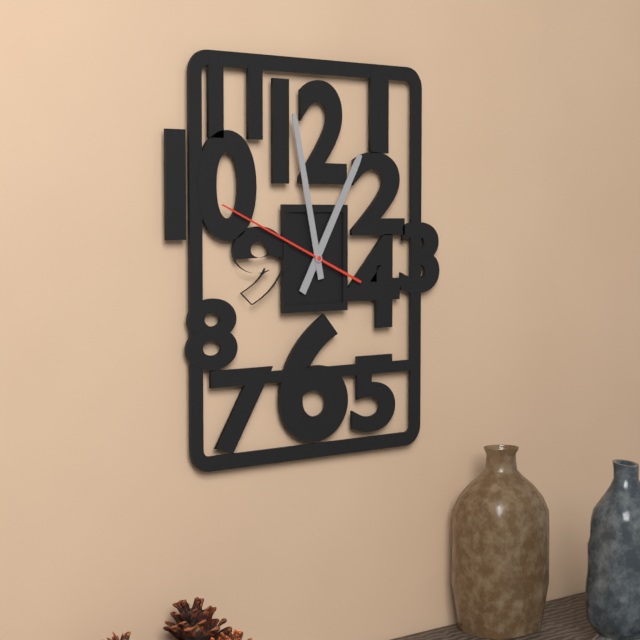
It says 12:58:49
